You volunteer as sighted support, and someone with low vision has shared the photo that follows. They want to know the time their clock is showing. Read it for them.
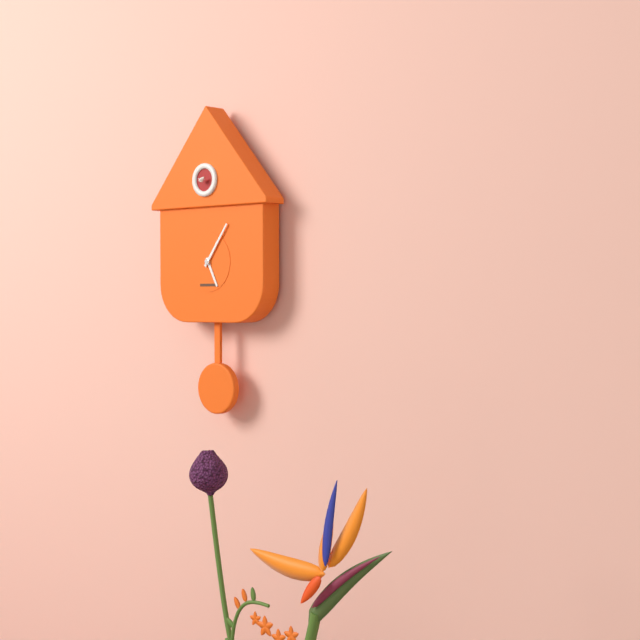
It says 5:06
